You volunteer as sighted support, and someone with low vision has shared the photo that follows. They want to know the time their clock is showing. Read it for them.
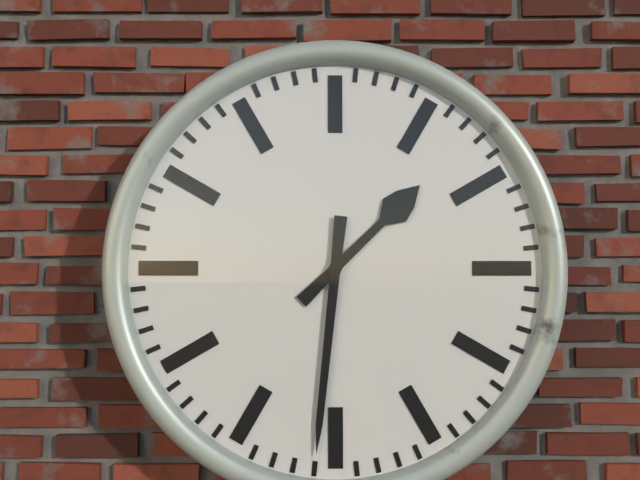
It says 1:31
